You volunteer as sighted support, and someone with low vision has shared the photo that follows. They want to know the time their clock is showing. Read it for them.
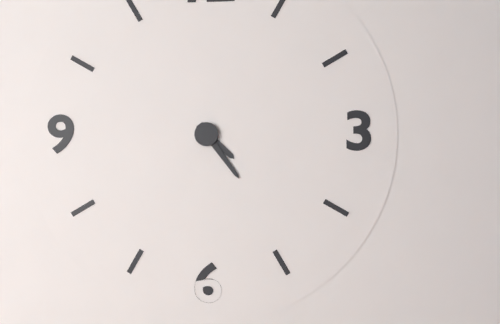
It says 4:24
